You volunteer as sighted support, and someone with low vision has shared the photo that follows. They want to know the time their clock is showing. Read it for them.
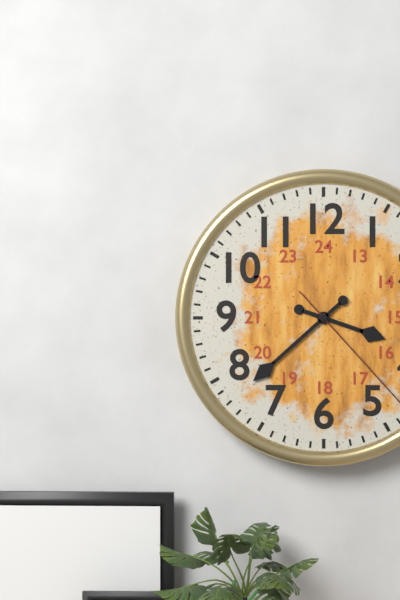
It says 3:38
